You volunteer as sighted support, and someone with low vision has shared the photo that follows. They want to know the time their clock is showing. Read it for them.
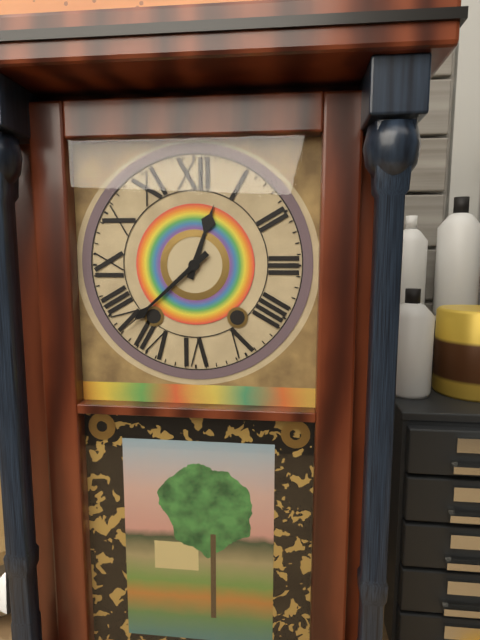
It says 12:38
